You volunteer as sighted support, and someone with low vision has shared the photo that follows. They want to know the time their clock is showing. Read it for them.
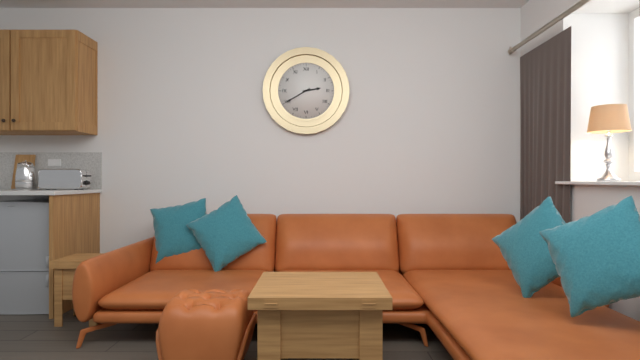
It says 2:40
